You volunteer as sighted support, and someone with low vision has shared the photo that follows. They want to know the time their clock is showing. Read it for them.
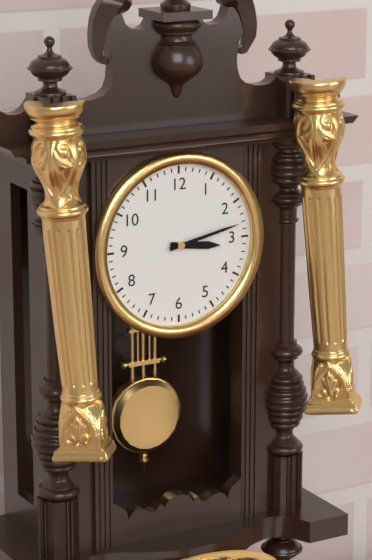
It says 3:13
